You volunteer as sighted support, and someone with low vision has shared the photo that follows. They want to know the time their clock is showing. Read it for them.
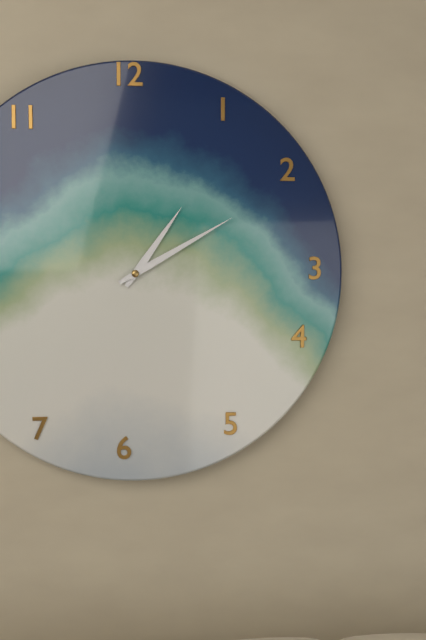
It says 1:10
